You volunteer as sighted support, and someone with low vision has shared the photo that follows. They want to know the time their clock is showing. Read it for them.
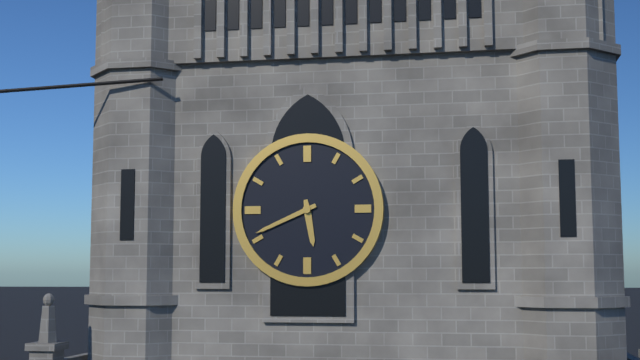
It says 5:41
